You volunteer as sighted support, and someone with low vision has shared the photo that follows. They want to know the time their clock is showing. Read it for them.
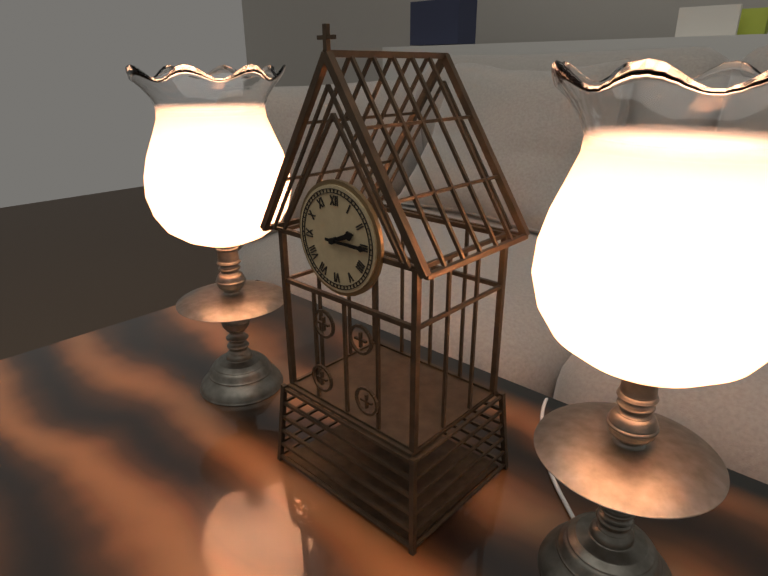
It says 2:15
